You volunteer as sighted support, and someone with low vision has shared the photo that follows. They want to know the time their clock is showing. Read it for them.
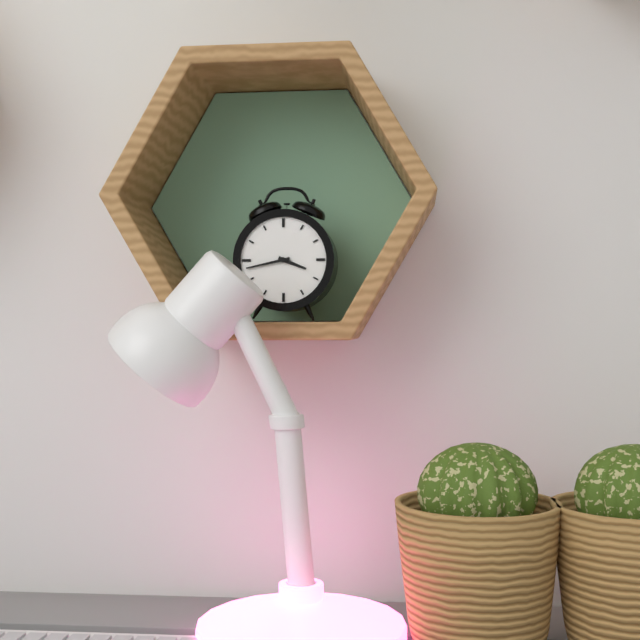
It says 3:43
